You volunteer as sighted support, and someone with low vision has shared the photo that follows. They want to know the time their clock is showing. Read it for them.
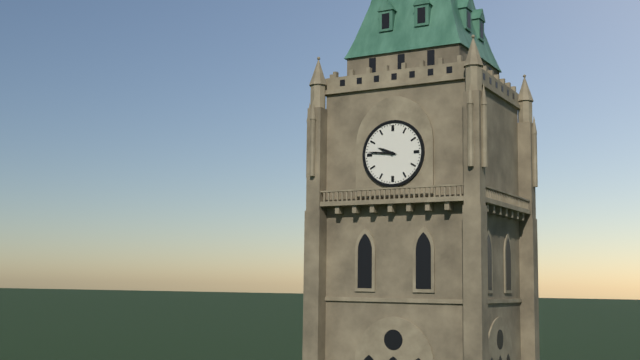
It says 9:46
